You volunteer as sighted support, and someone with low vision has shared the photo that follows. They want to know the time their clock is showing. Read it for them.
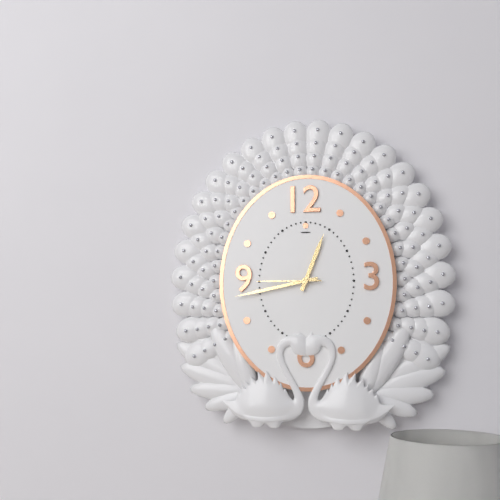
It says 12:43:45
